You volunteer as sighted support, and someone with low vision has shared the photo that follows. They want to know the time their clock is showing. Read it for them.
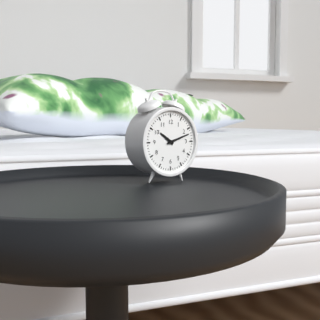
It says 10:12
